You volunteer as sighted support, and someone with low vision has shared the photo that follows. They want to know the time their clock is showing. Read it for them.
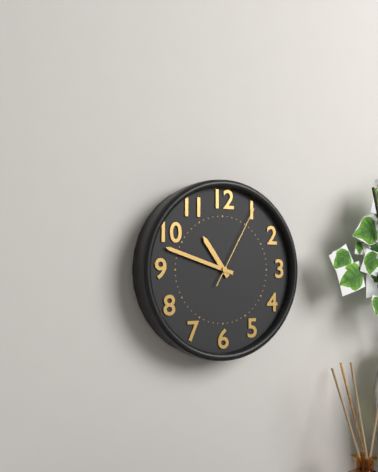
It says 10:48:05
